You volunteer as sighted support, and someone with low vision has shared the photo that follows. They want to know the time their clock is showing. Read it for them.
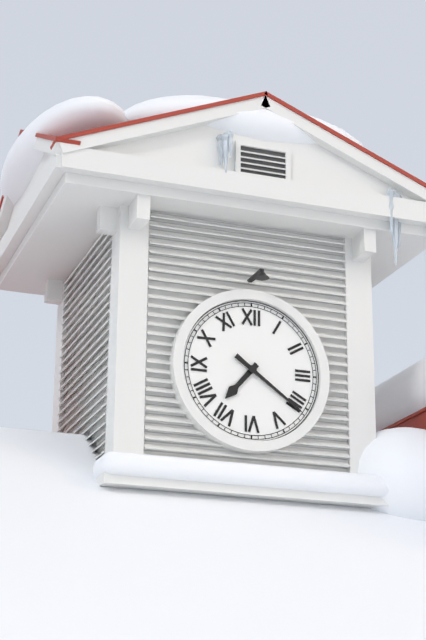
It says 7:21
